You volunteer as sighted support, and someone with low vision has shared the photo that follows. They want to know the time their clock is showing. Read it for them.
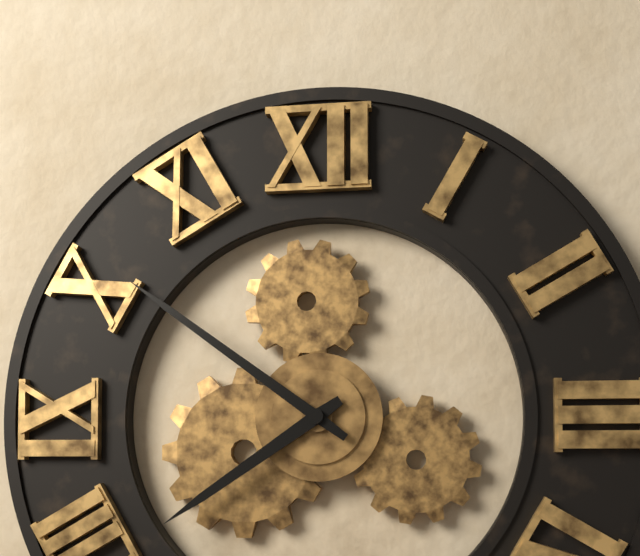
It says 7:51
